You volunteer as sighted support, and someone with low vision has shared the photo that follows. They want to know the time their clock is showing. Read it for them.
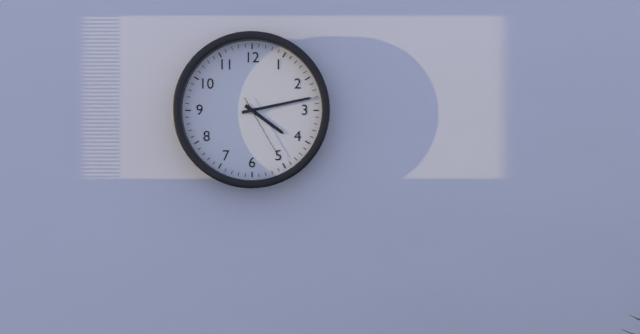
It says 4:13:25
